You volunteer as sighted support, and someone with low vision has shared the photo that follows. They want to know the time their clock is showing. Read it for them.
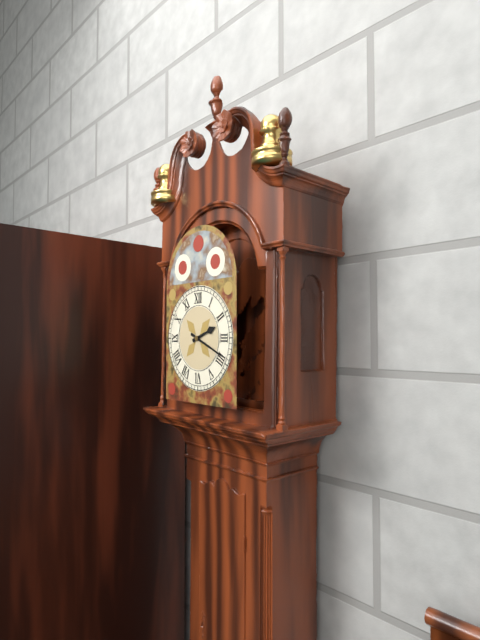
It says 2:19
